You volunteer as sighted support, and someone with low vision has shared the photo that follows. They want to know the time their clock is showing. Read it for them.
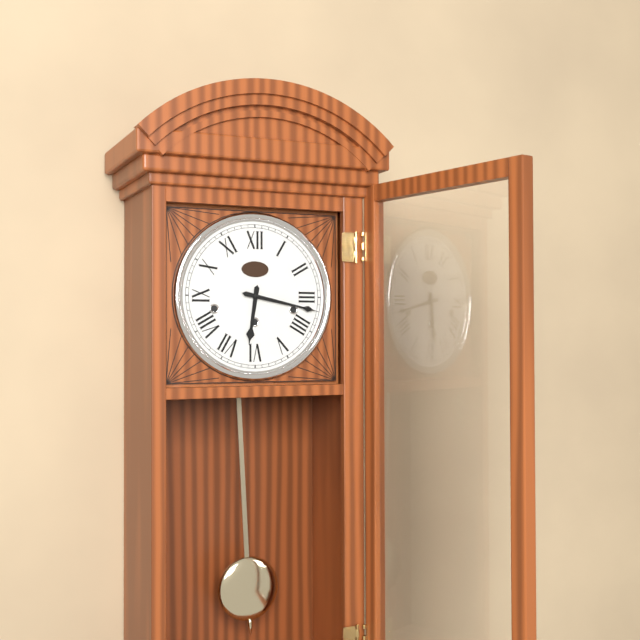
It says 6:17
